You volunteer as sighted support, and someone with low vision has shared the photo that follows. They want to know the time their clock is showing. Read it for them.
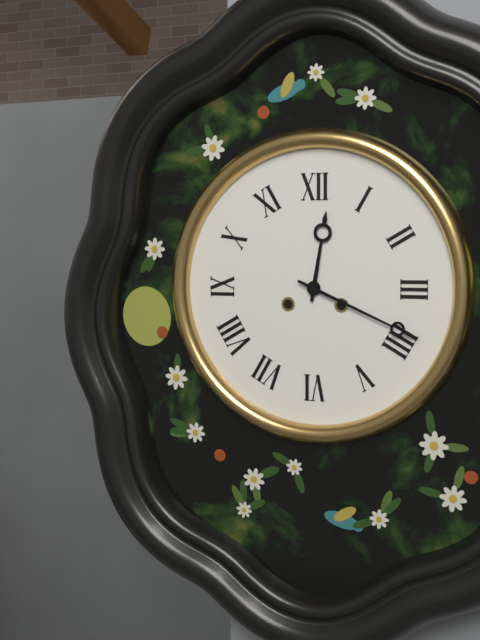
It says 12:19
